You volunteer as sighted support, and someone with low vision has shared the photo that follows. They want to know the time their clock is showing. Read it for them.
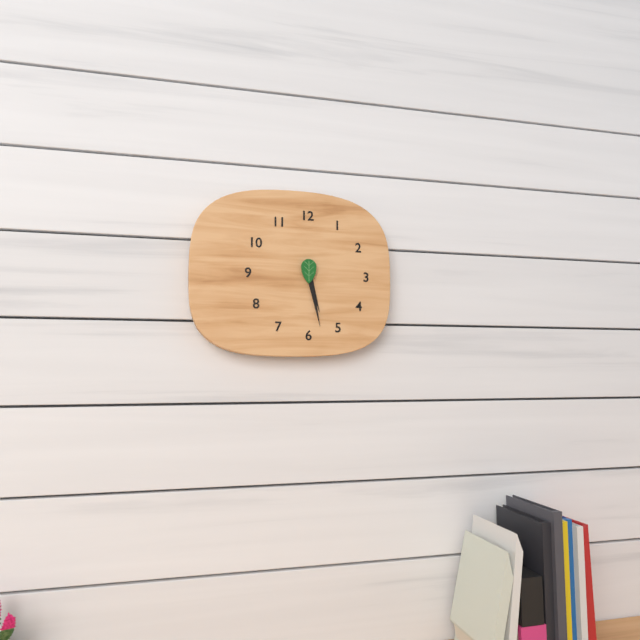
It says 5:28
